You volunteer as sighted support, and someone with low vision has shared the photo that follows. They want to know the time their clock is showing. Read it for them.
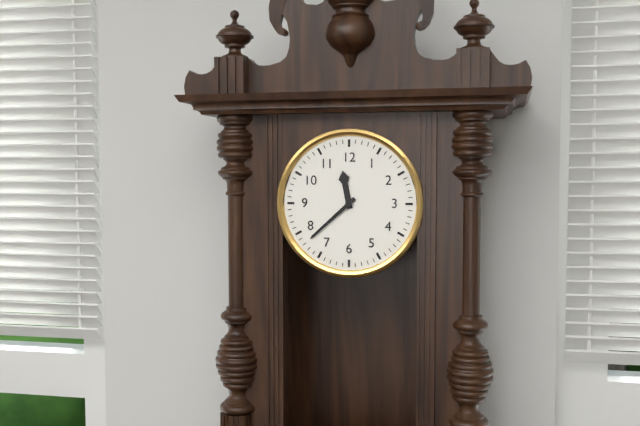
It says 11:38
